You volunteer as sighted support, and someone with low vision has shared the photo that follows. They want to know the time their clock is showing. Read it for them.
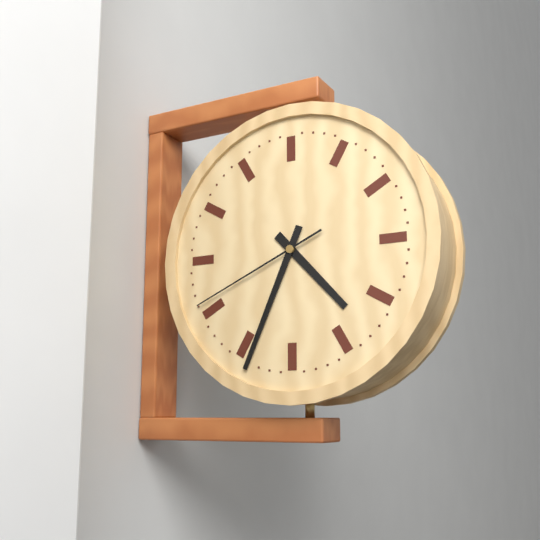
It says 4:34:41
